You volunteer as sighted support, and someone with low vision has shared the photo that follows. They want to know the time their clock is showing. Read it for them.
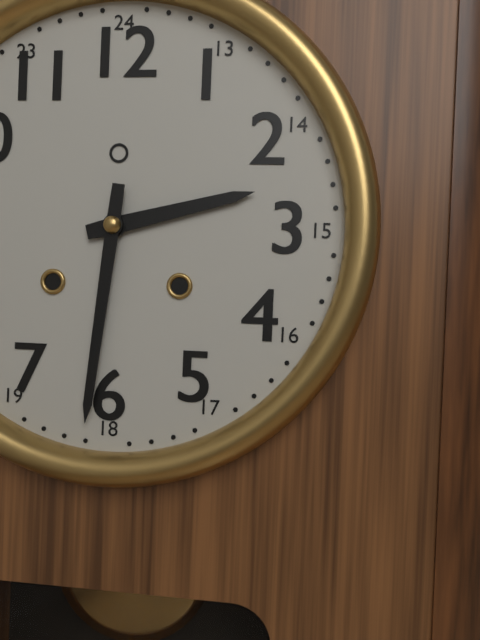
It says 2:31
